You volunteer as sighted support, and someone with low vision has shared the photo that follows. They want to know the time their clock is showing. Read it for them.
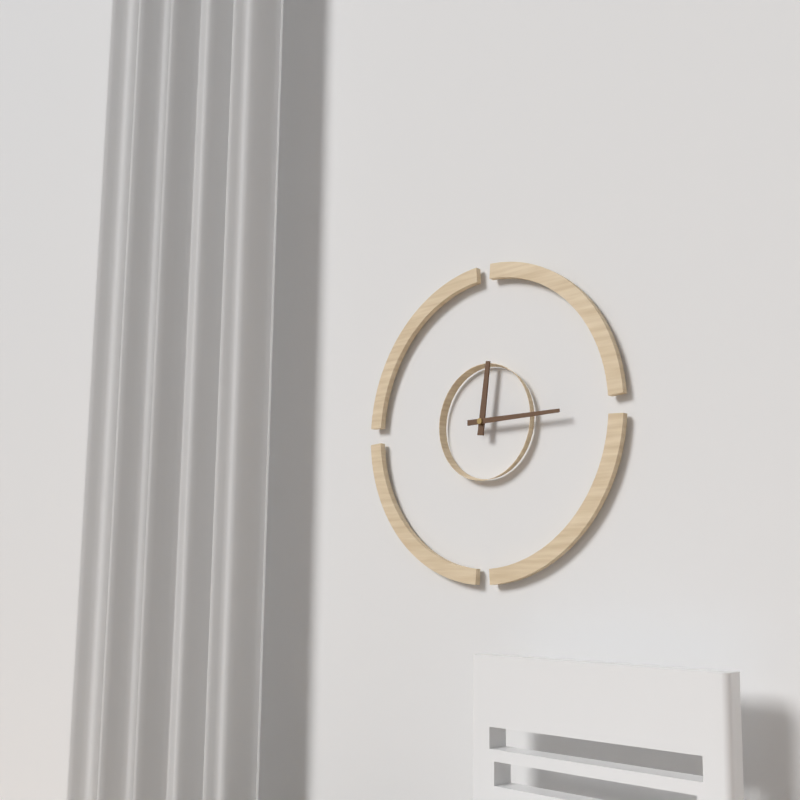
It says 12:15
